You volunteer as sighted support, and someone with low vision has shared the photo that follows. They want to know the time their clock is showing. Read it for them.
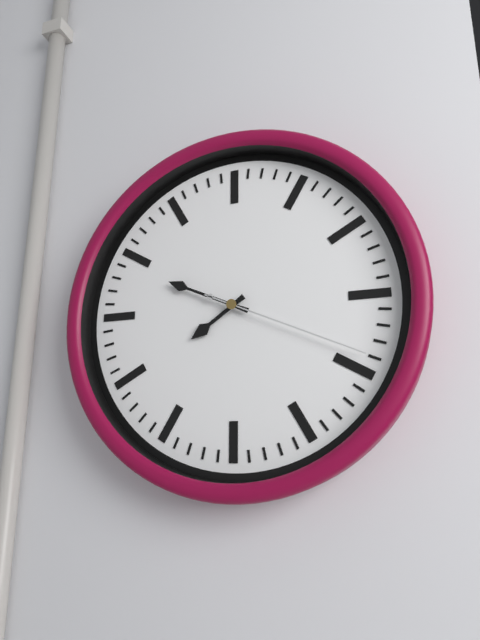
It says 7:49:19
